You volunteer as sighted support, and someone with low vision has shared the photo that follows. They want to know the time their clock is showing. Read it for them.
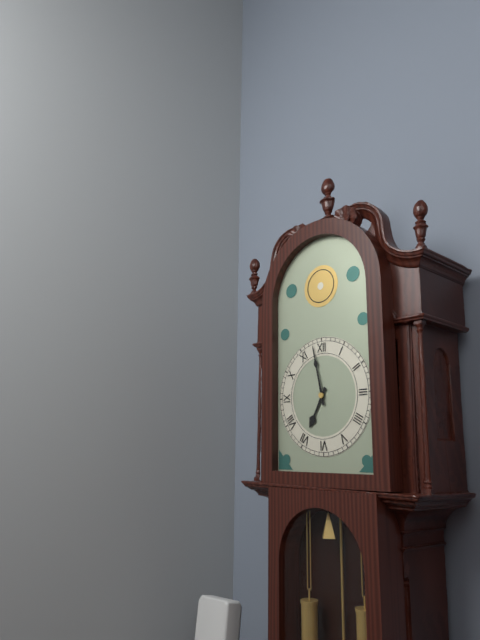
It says 6:58
